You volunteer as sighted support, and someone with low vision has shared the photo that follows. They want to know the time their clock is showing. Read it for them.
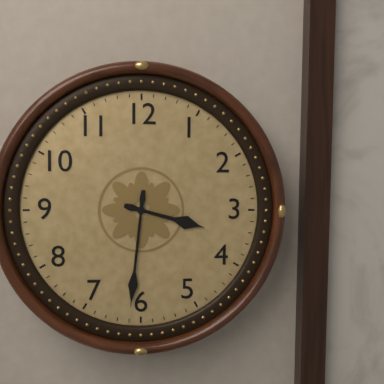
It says 3:31
